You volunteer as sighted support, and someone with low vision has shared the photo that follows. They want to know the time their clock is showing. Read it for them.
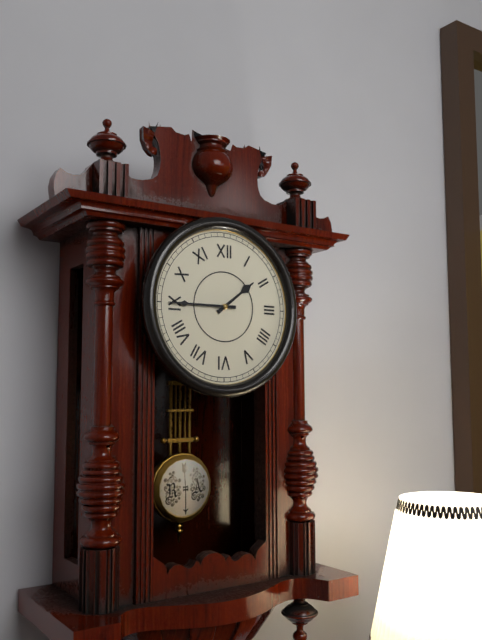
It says 1:45
